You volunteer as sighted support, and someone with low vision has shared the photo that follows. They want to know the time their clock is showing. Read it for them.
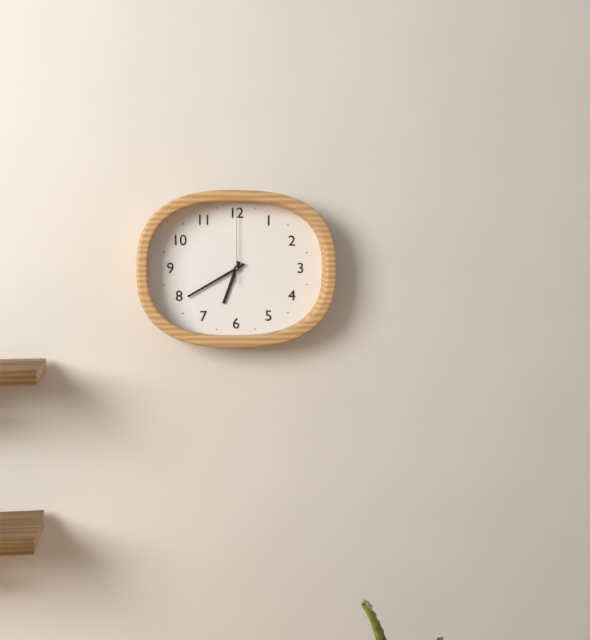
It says 6:40:00
